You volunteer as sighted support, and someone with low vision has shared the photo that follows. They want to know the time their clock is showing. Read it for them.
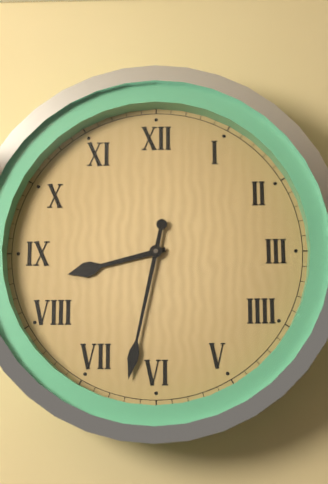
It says 8:32
